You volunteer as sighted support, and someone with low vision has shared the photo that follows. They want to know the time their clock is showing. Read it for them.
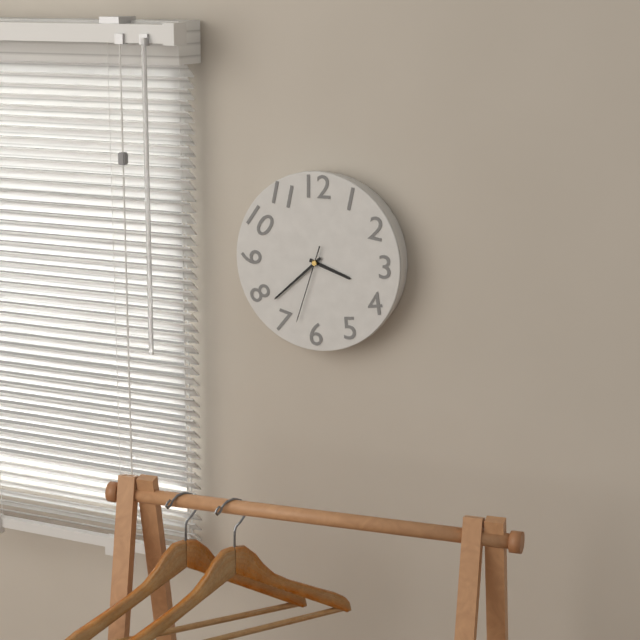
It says 3:38:33
